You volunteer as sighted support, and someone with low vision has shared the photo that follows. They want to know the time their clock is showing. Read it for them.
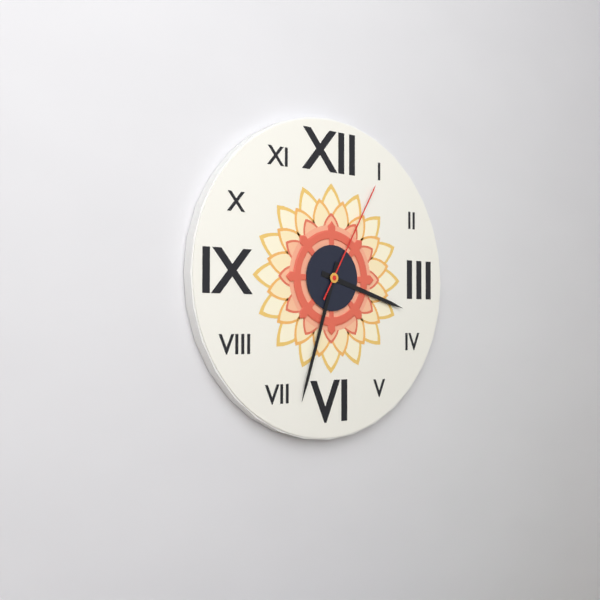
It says 3:33:05
